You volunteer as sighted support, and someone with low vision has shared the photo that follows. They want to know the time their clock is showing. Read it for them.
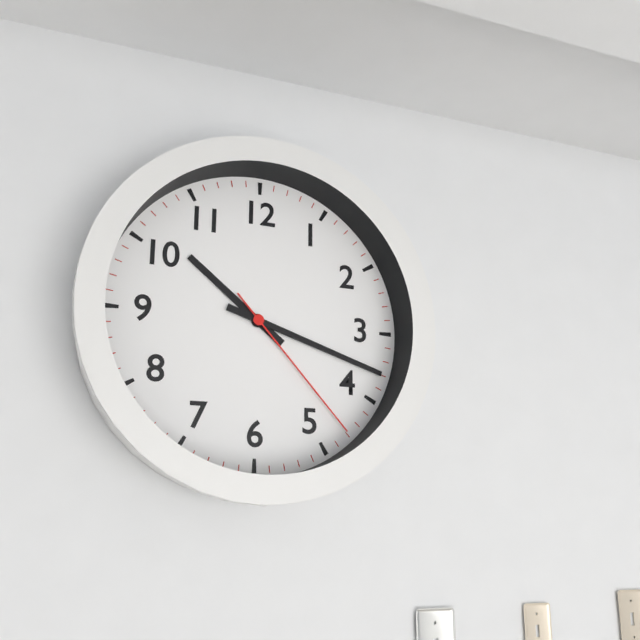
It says 10:18:23
